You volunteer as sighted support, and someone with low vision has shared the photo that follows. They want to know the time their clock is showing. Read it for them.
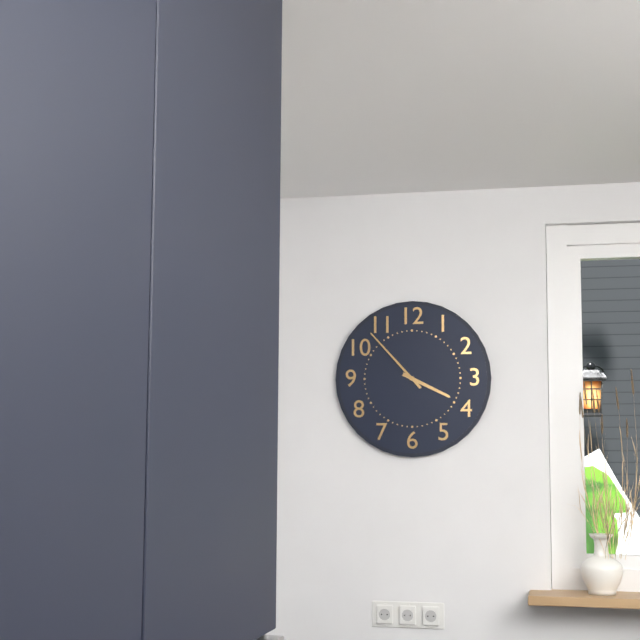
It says 3:53
